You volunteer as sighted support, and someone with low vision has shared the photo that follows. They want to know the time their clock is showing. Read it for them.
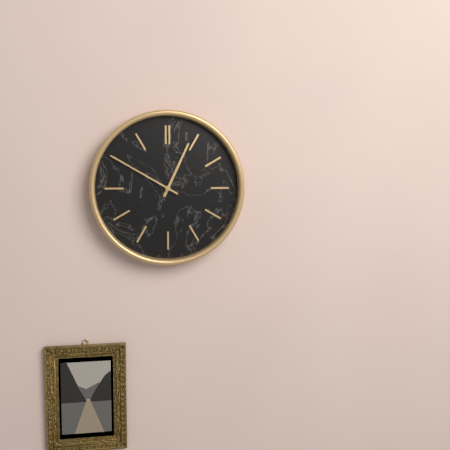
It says 12:50
